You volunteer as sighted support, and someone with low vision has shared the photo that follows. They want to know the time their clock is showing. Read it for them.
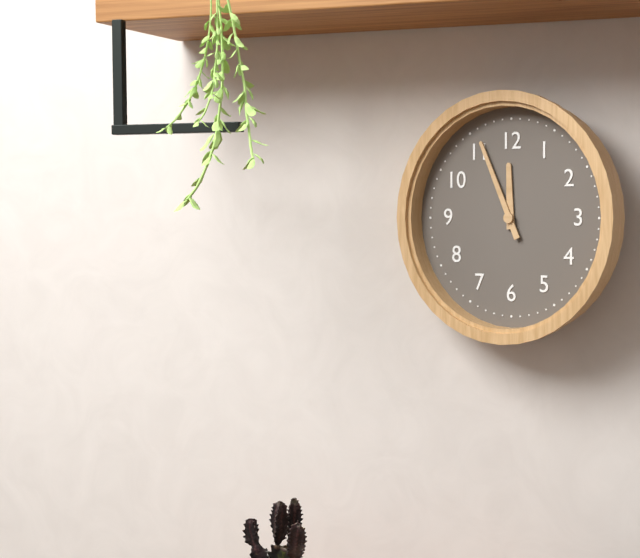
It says 11:56
